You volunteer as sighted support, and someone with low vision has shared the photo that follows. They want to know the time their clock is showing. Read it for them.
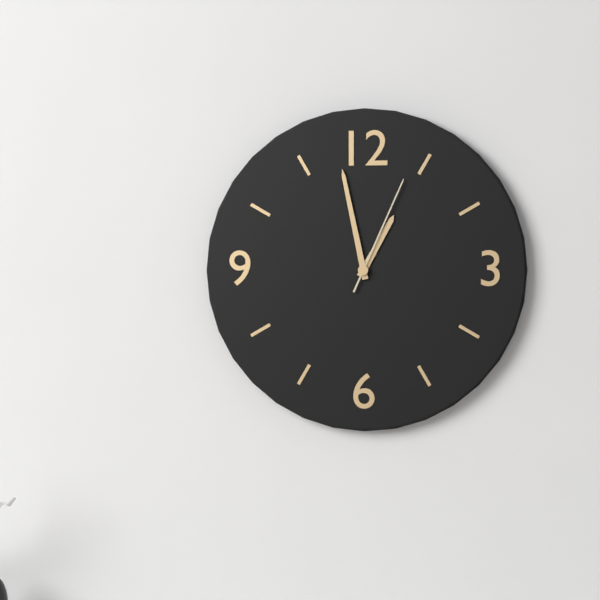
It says 12:58:04
